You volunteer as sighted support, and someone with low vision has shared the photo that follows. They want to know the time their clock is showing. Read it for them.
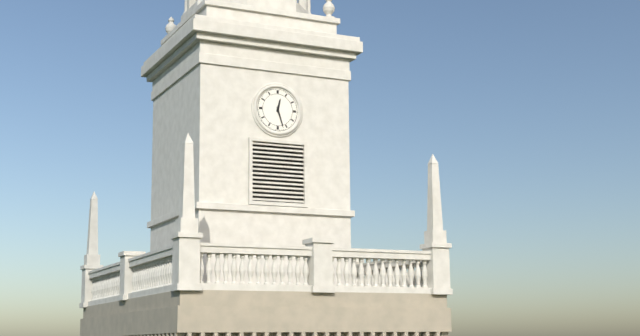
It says 12:27
